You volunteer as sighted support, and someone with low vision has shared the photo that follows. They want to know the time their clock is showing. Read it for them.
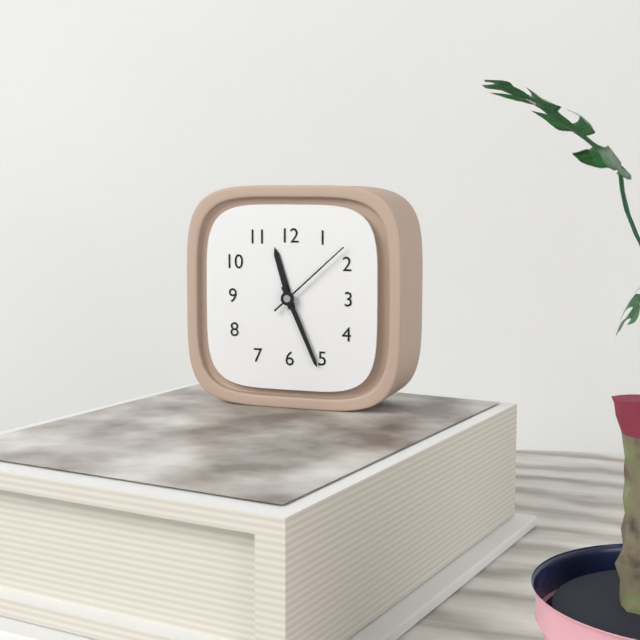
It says 11:26:08
